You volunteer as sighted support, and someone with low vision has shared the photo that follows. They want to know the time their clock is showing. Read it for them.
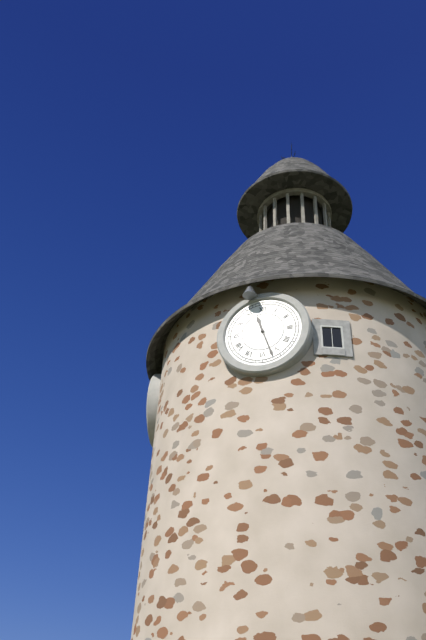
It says 11:27
